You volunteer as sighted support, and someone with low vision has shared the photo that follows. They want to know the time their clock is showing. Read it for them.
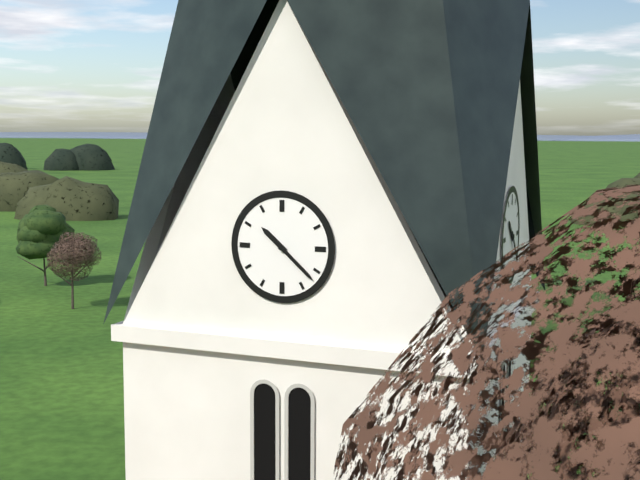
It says 10:22
